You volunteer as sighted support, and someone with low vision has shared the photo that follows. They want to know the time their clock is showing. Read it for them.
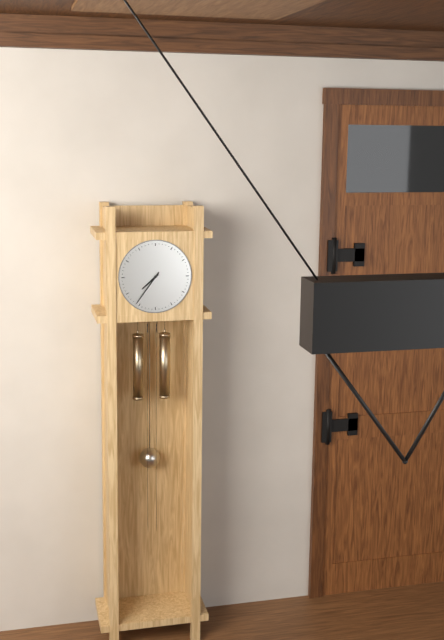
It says 7:36
